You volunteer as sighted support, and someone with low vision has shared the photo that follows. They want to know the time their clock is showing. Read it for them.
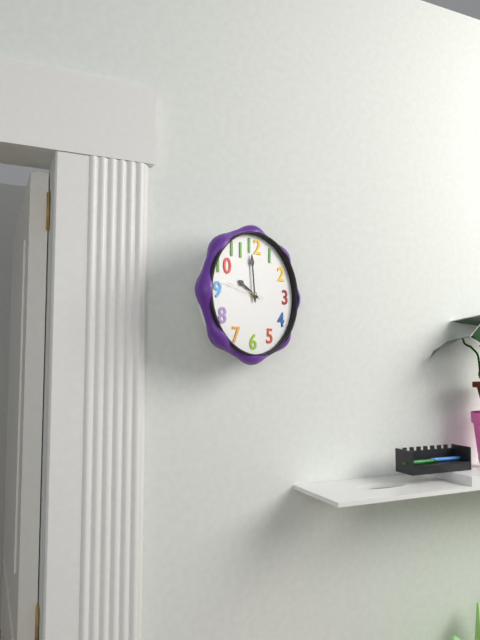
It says 9:59
